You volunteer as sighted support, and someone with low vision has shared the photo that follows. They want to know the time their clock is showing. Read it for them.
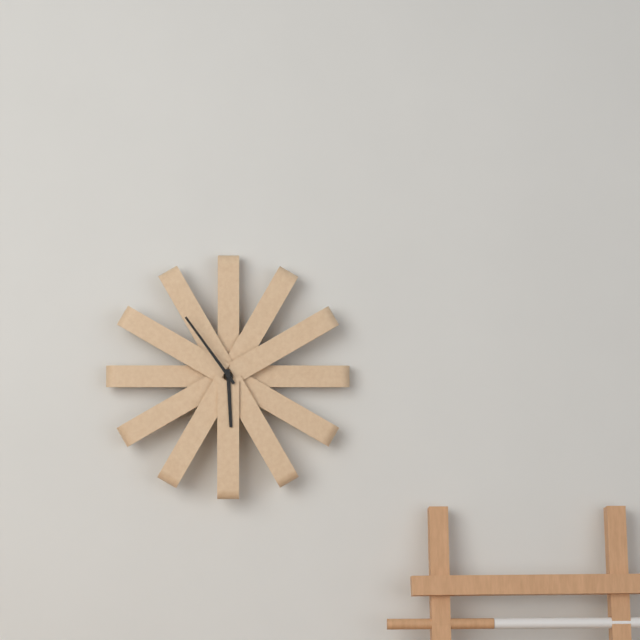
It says 5:54
